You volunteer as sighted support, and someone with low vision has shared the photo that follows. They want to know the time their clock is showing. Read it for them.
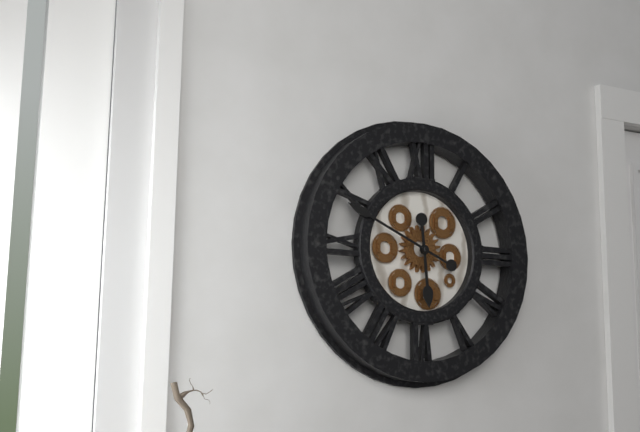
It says 5:49
